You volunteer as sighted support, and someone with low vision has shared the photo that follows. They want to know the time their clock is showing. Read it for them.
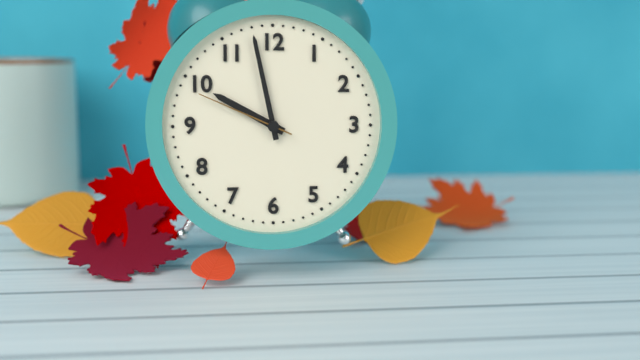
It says 9:58:49
